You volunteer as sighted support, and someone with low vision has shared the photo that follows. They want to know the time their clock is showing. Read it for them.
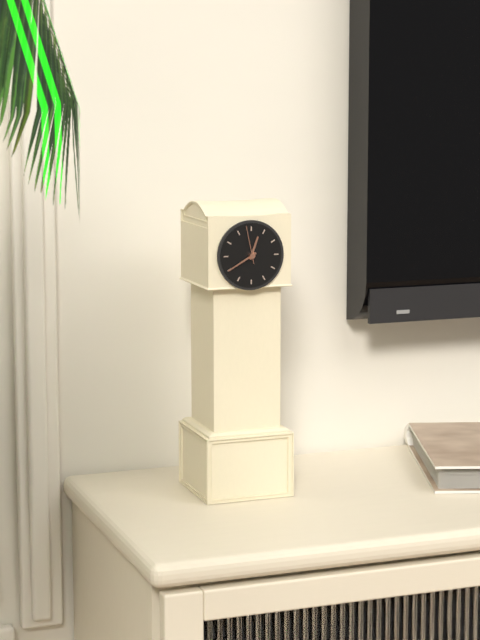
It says 12:40
